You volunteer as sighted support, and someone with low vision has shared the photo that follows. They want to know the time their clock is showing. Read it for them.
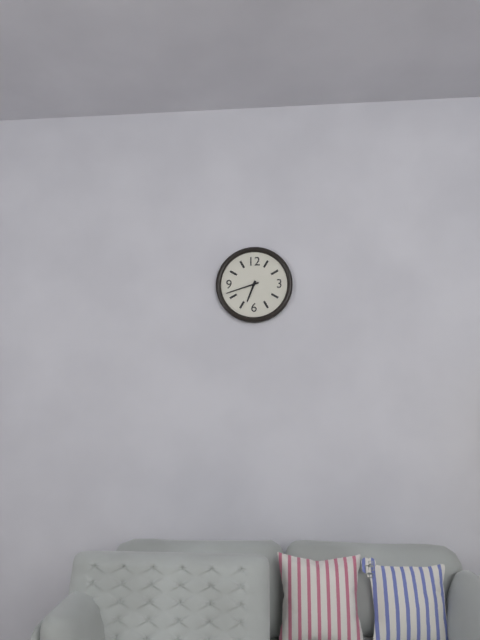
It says 6:42
